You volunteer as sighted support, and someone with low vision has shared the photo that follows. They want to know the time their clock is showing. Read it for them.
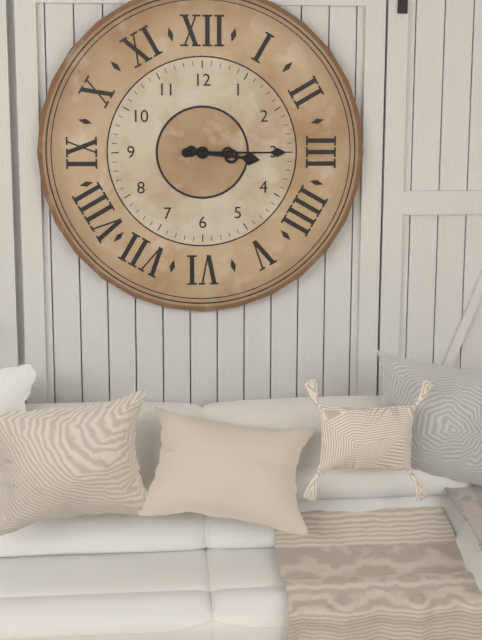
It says 3:15
